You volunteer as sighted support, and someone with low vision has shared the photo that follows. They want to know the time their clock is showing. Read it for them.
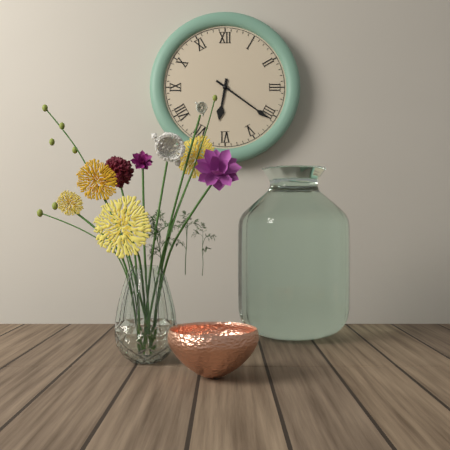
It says 6:21
